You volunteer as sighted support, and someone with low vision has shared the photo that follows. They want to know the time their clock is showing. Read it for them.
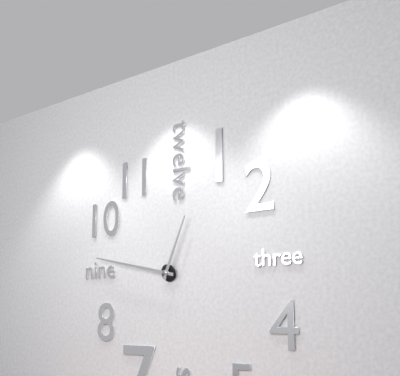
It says 12:47
